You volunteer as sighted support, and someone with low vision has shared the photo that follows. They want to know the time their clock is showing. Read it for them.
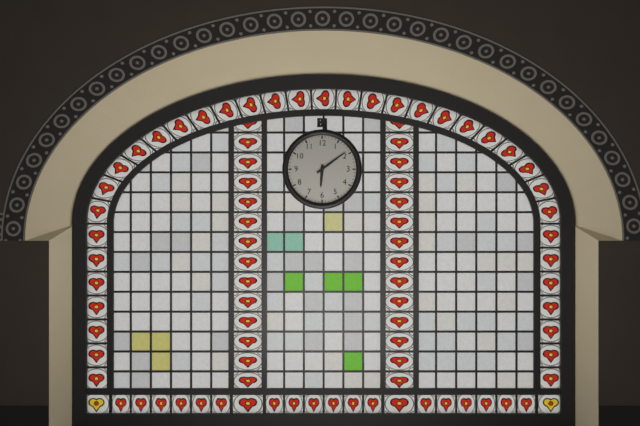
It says 6:09
